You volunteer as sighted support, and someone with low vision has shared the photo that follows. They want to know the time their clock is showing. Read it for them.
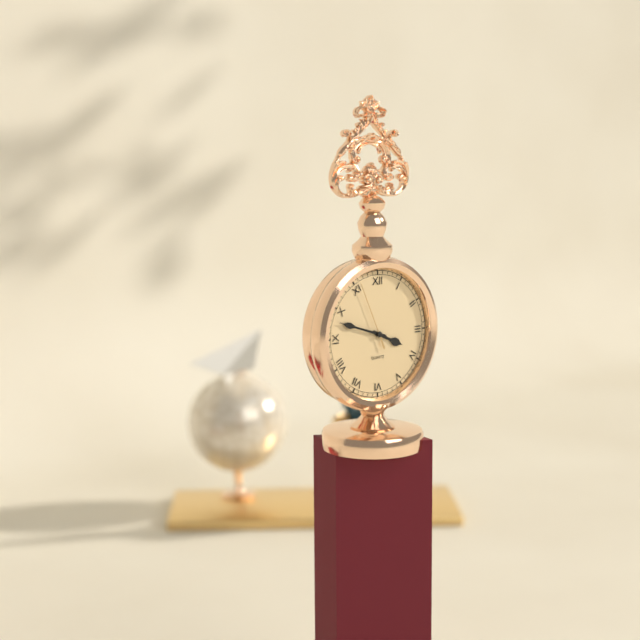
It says 3:48:56
